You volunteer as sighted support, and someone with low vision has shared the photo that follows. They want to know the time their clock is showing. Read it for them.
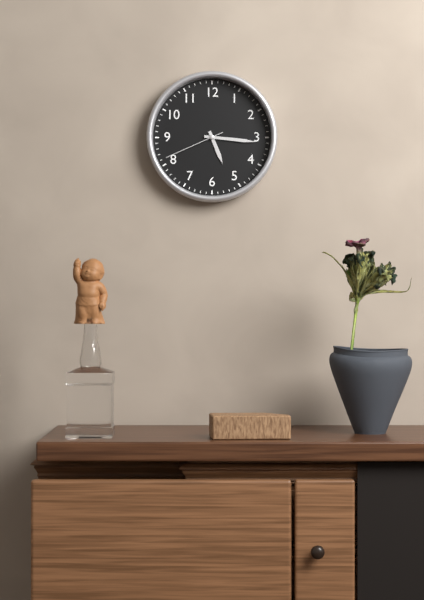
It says 5:16:41
